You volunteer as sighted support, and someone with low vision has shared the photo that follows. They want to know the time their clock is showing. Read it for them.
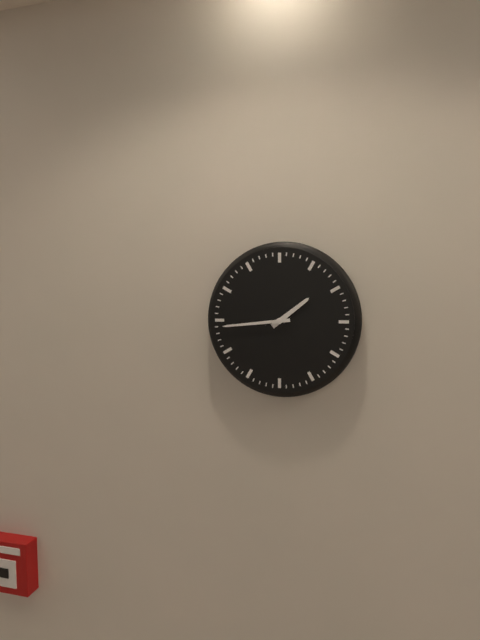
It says 1:44
